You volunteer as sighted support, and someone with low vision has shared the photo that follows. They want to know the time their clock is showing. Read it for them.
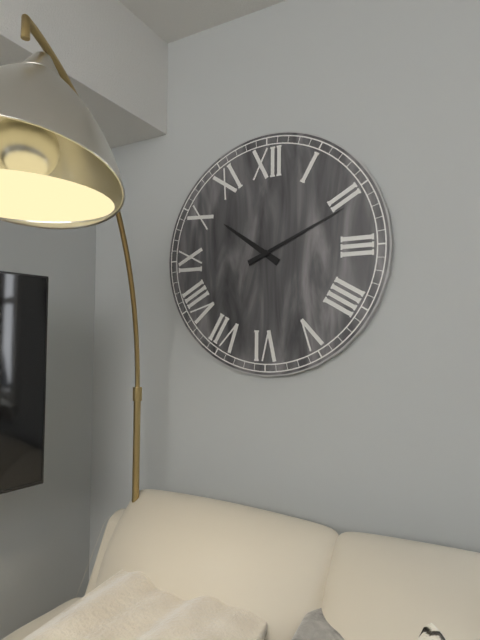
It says 10:11
